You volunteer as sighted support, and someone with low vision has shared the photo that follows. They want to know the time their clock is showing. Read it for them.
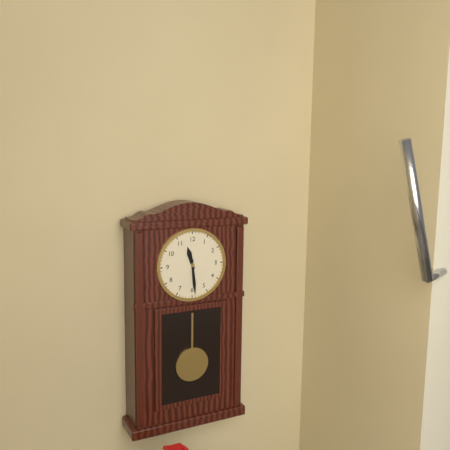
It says 11:29
